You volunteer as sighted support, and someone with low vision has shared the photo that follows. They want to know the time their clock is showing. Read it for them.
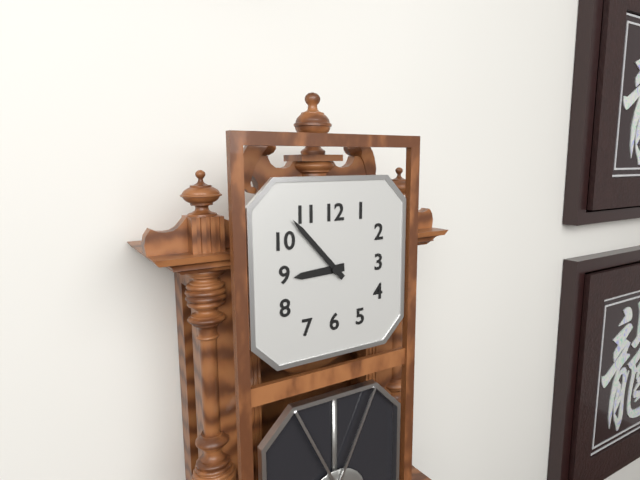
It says 8:53
